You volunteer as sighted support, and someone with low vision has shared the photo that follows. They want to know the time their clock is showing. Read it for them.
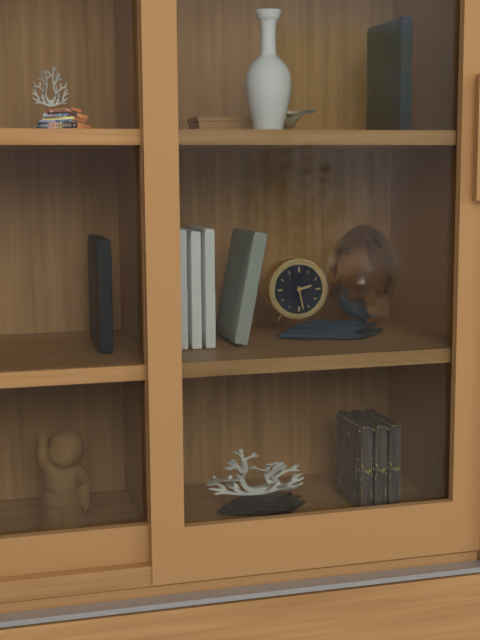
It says 2:28
